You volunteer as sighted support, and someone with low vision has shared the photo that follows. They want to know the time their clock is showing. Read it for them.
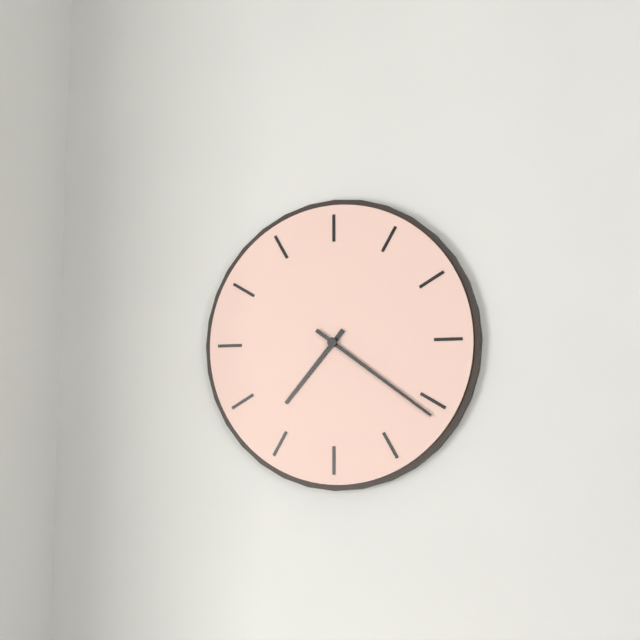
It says 7:21
